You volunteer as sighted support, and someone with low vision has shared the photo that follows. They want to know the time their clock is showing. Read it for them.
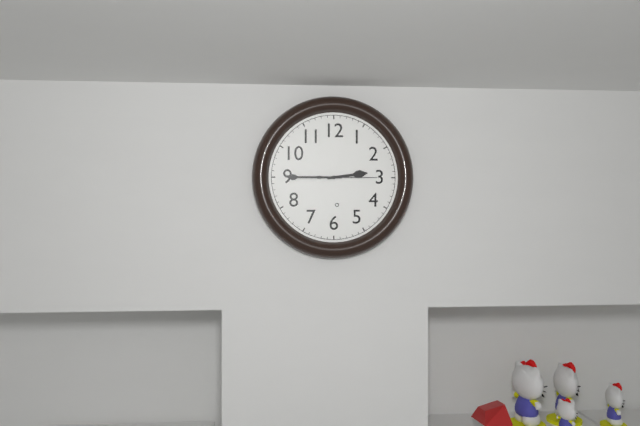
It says 2:45:15
